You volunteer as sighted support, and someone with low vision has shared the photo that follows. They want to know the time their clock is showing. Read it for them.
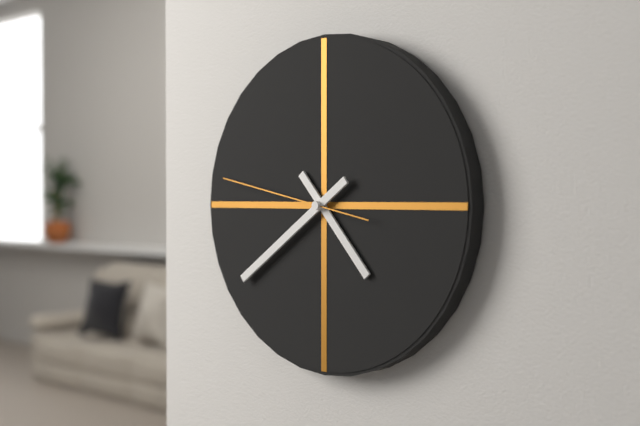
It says 4:39:47
